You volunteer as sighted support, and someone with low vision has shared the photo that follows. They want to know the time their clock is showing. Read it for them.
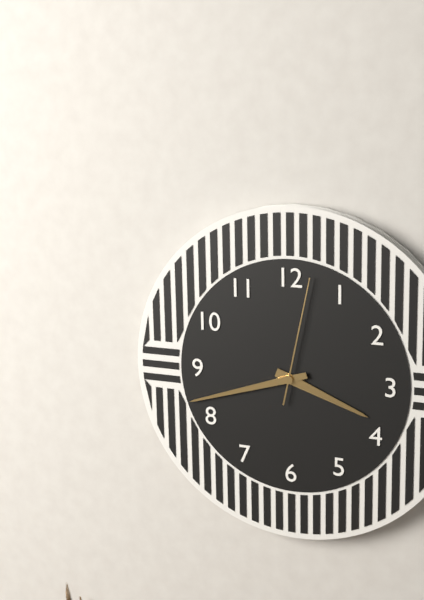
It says 3:42:02
